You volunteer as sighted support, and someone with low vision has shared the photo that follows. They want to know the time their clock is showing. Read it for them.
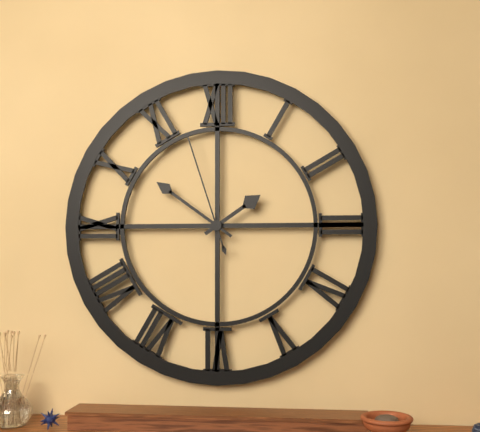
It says 1:51:57
